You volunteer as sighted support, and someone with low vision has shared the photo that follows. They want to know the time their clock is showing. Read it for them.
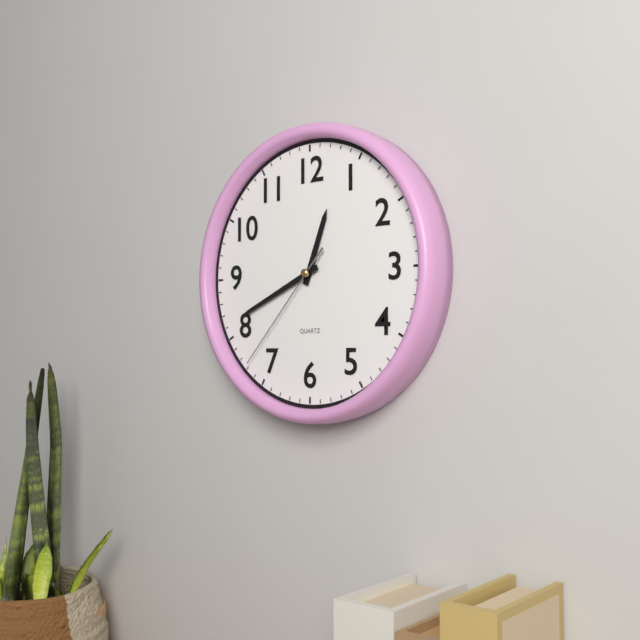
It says 12:41:37
